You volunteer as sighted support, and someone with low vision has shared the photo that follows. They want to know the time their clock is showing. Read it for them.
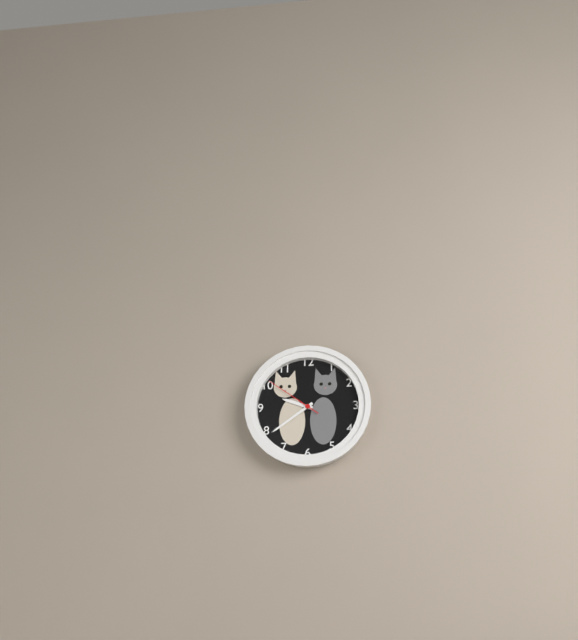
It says 9:39:51
